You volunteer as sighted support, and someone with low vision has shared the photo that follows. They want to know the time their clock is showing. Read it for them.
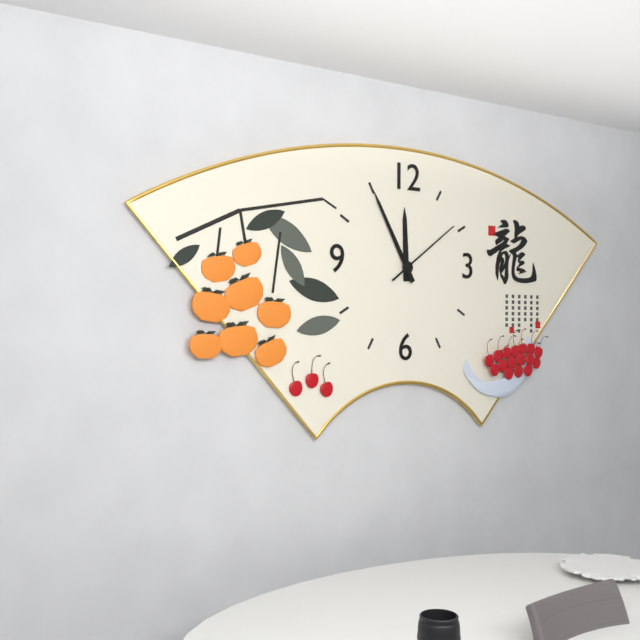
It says 11:55:09
